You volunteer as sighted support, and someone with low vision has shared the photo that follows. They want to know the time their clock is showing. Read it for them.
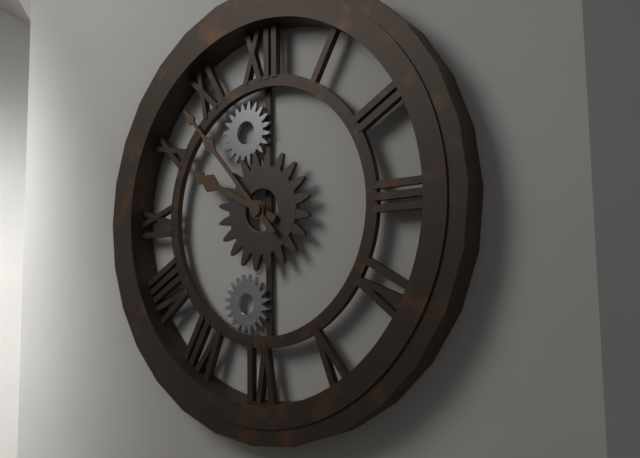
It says 9:53
